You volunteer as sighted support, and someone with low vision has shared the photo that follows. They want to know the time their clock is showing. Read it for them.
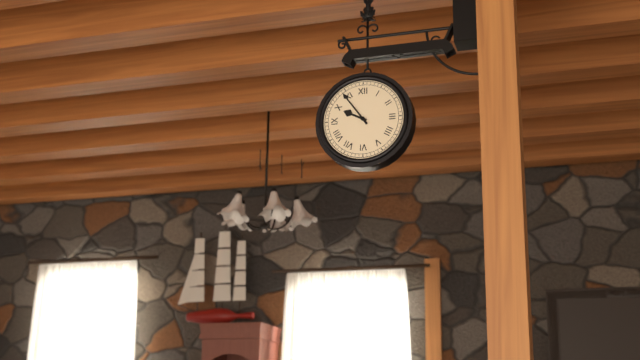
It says 9:54
